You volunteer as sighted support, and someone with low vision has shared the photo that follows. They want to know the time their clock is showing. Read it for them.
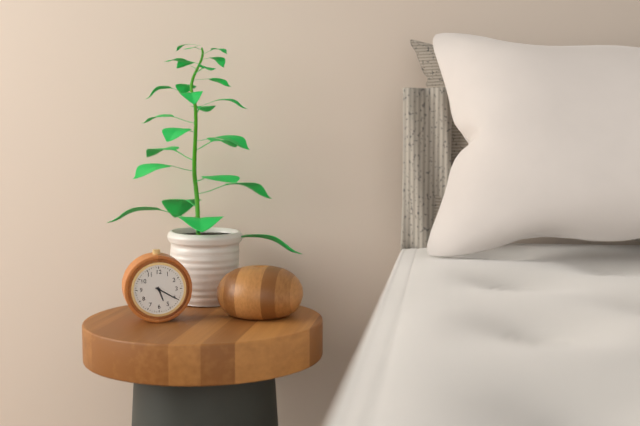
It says 5:20
